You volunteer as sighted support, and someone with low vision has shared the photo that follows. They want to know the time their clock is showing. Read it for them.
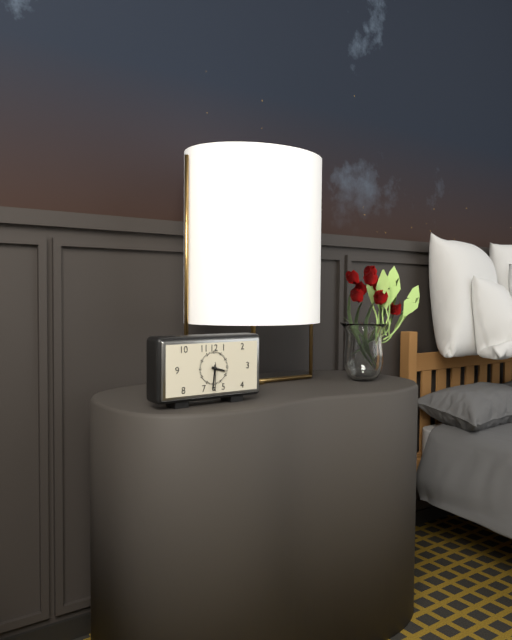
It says 3:31
